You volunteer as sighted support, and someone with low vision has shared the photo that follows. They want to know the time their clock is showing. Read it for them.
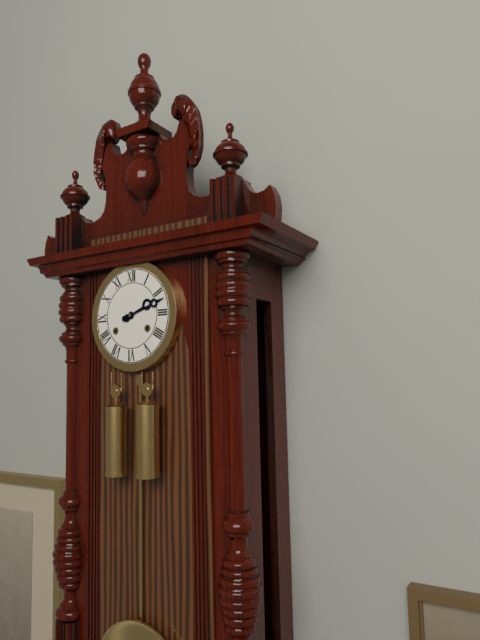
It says 2:12
